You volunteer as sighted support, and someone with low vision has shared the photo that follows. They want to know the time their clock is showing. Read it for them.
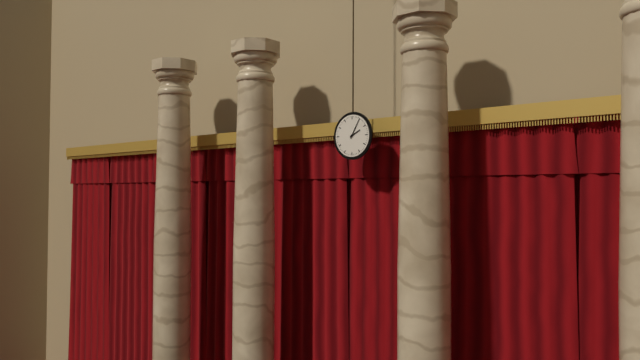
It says 2:05
